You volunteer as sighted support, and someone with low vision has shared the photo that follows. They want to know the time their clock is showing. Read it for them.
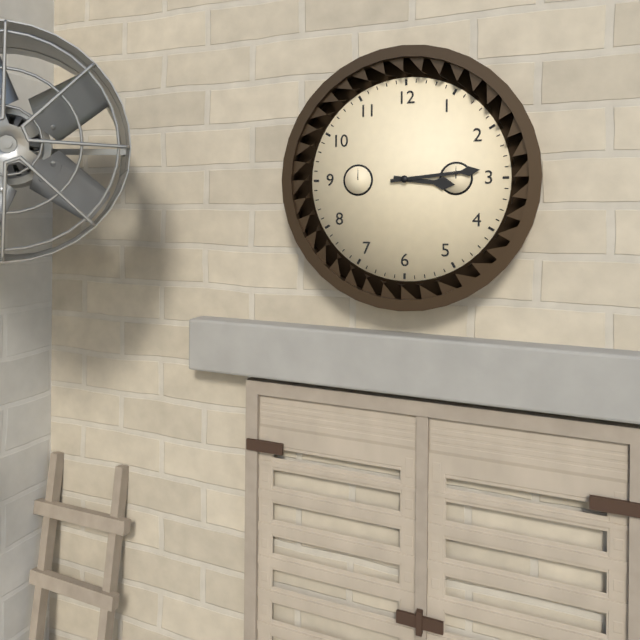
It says 3:14
